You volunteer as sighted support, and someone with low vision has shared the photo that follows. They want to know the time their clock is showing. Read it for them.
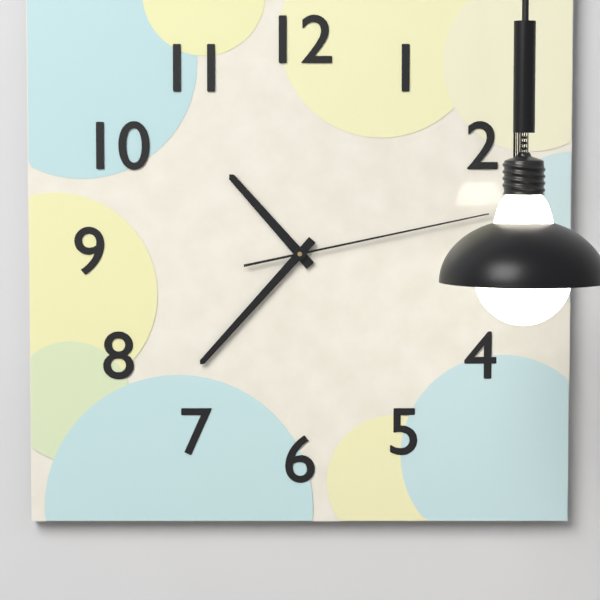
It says 10:37:13
